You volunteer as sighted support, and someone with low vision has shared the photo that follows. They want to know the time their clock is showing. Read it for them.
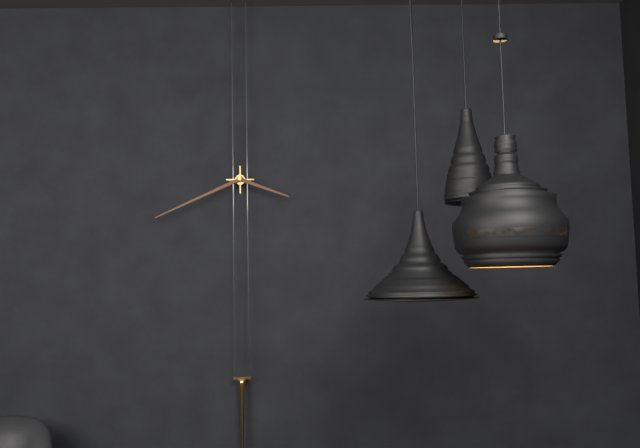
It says 3:41
